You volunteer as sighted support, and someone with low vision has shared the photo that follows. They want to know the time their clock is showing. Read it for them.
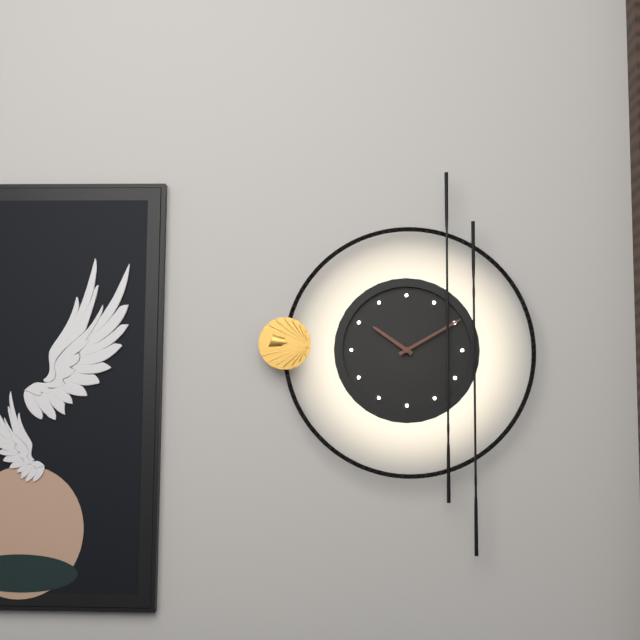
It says 10:10
